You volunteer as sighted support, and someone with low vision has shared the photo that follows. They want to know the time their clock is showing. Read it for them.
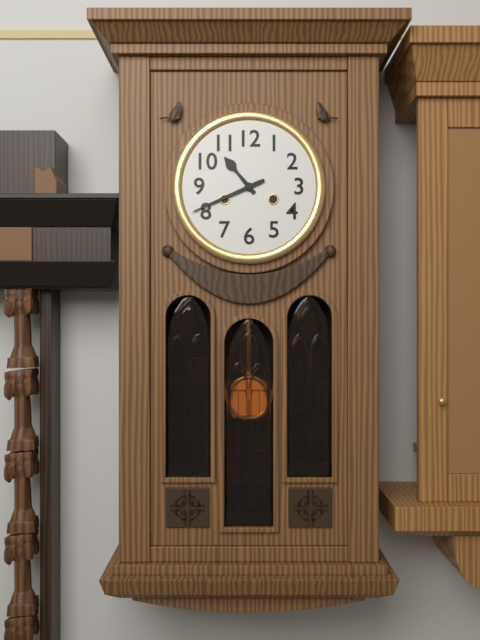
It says 10:41
